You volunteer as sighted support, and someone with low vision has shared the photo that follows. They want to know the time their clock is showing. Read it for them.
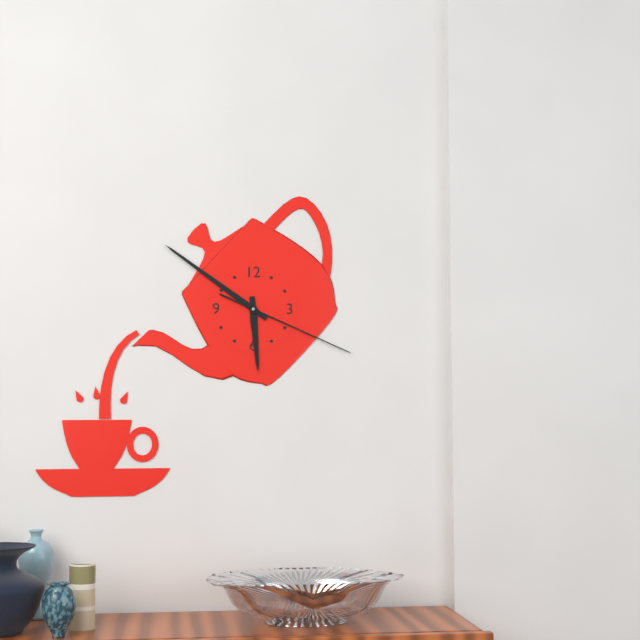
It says 5:51:19
